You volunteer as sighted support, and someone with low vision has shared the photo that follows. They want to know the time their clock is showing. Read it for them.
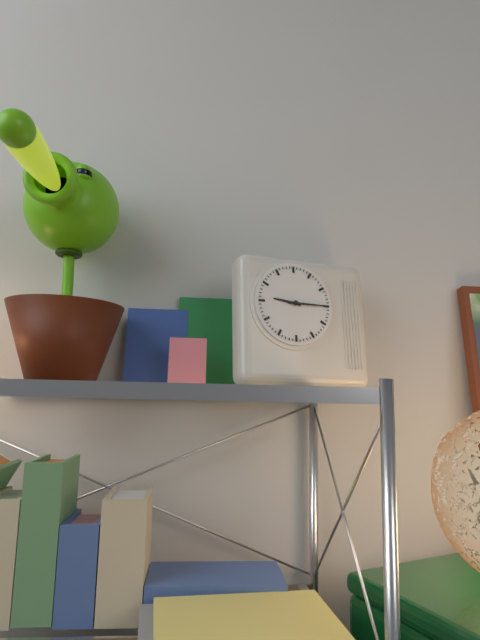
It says 9:15
